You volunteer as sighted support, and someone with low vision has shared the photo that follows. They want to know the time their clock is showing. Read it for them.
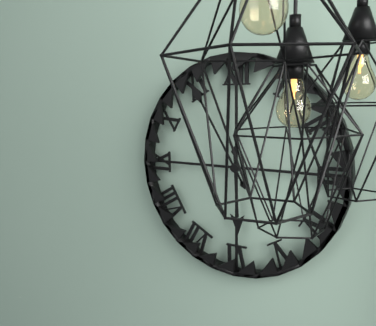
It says 5:55
